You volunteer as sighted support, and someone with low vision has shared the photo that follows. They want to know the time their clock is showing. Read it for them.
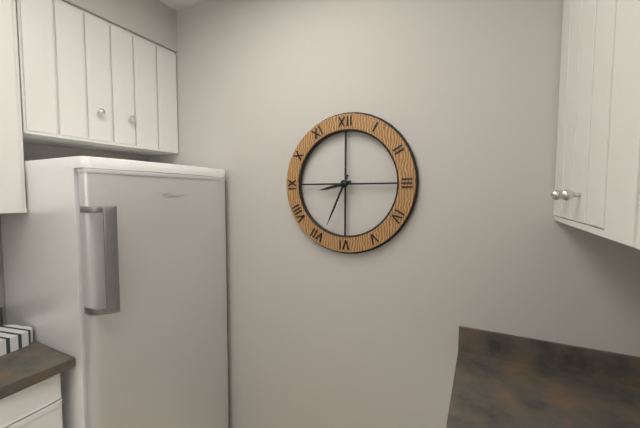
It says 8:34
